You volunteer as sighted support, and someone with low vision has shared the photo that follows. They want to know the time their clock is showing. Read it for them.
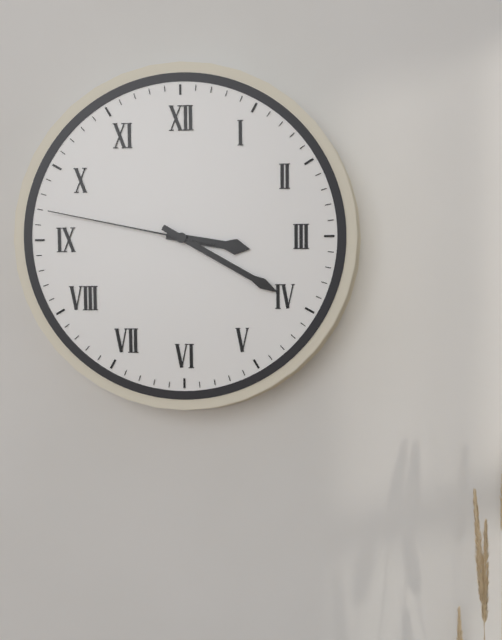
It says 3:20:47
